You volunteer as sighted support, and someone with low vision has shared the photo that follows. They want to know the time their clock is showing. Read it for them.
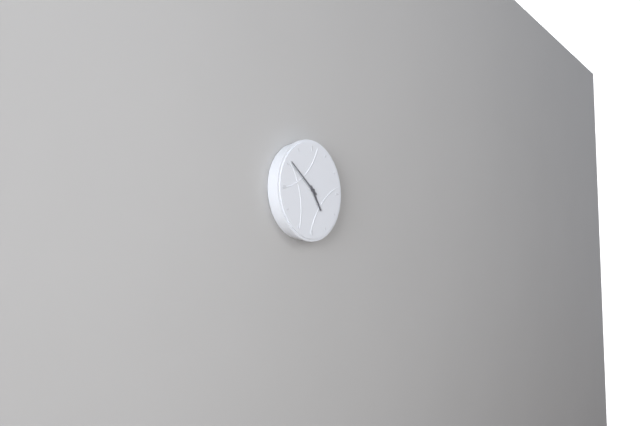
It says 4:51
